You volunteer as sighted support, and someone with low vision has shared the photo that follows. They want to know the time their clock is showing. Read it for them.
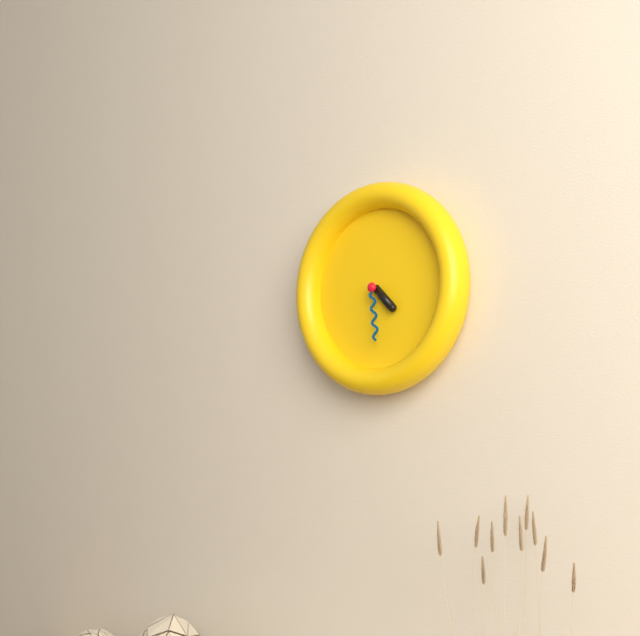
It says 4:29
